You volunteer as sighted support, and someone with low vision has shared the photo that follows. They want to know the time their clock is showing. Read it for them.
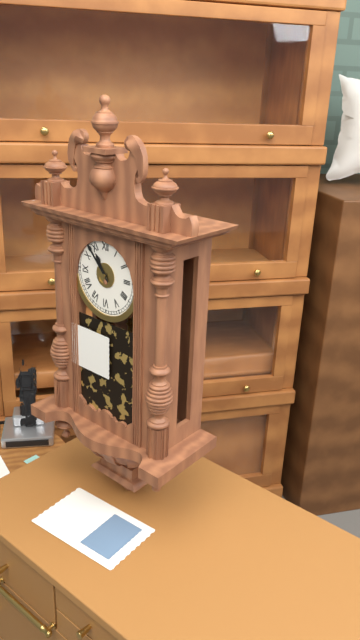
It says 10:53
